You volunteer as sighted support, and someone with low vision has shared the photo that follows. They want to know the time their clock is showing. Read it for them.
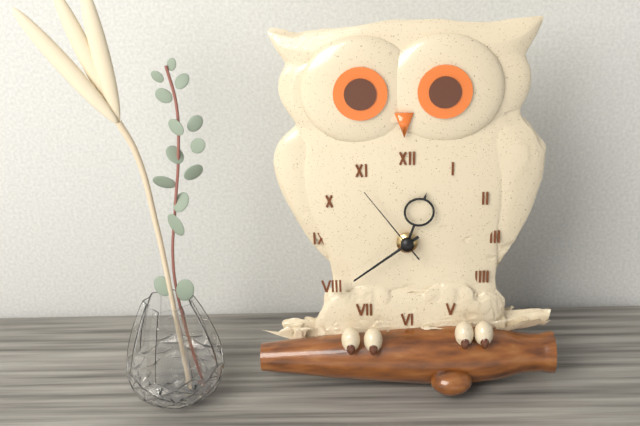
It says 12:39:54
